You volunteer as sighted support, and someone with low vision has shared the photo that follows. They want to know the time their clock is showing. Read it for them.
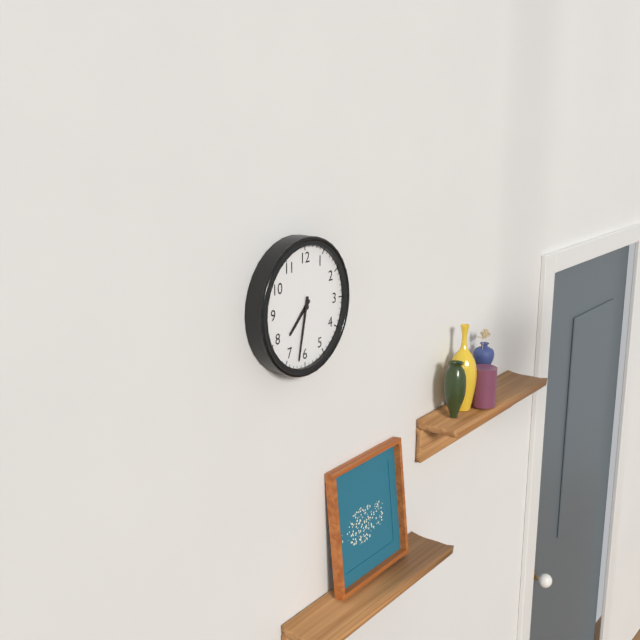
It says 7:32
